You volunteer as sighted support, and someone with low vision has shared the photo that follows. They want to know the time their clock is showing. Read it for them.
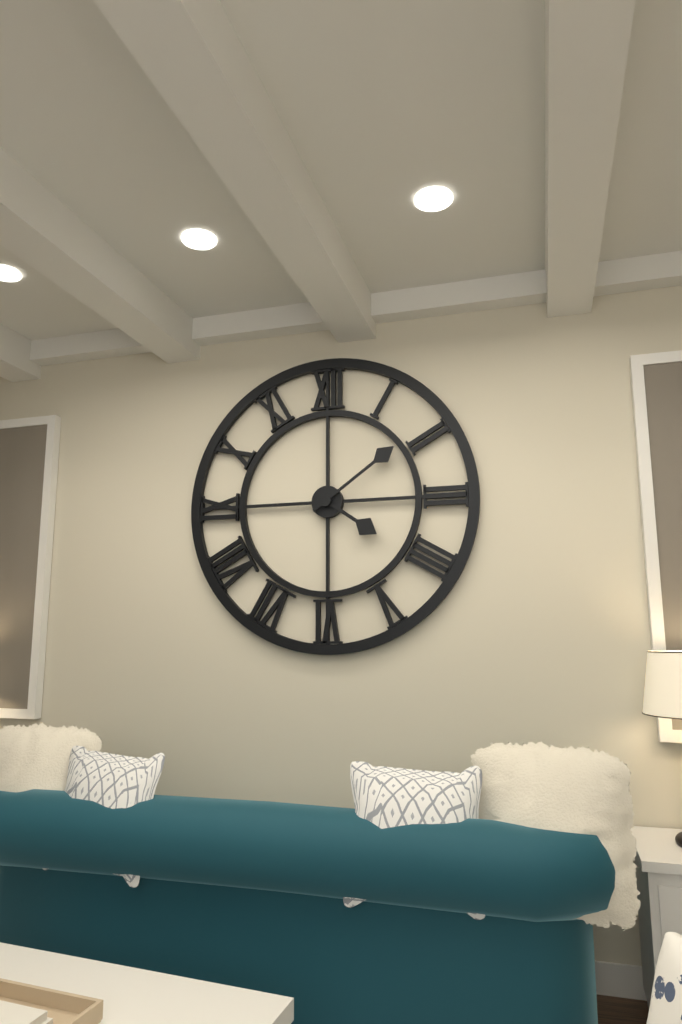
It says 4:09
